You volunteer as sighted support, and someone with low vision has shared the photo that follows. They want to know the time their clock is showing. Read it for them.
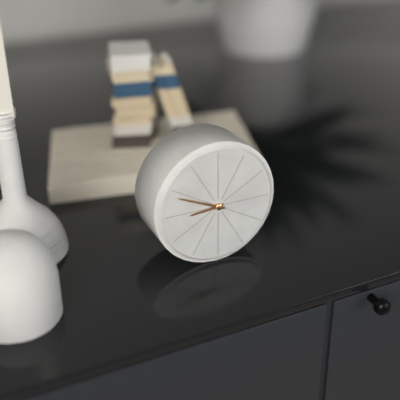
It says 8:49
